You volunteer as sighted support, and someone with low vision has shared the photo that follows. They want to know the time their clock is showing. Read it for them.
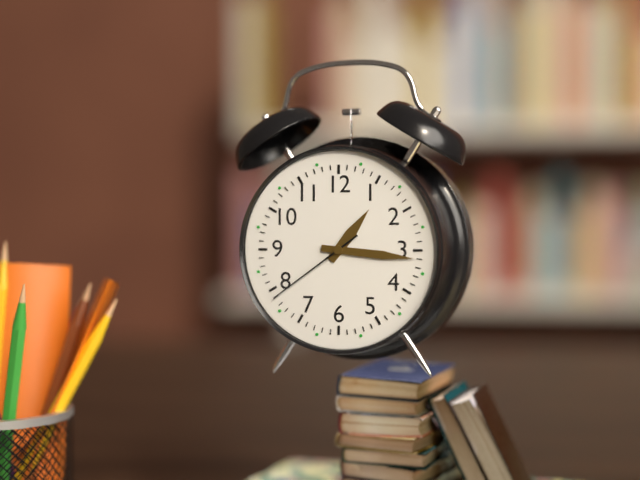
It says 1:16:39
